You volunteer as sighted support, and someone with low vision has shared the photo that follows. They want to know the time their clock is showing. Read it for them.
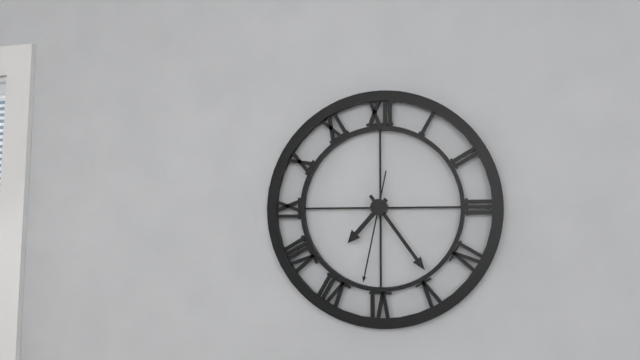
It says 7:24:32
